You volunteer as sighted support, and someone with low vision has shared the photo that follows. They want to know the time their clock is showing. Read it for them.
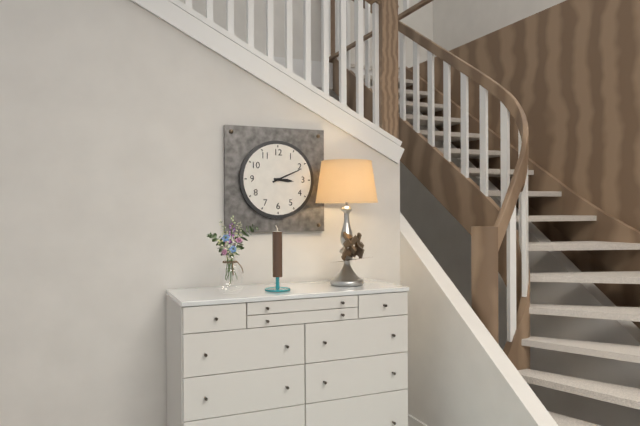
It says 3:11
